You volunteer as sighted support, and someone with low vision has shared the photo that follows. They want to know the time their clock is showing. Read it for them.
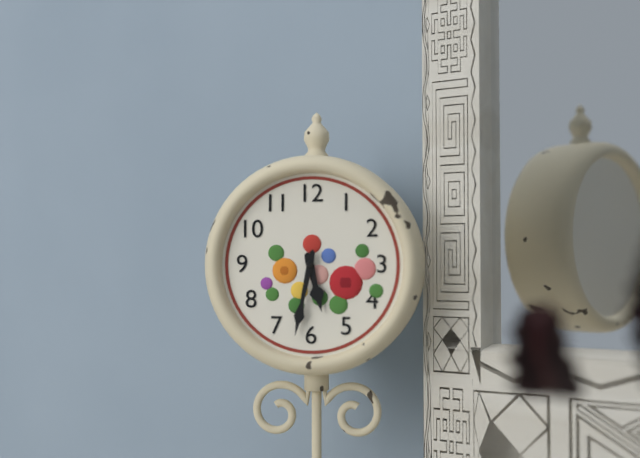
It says 5:32
